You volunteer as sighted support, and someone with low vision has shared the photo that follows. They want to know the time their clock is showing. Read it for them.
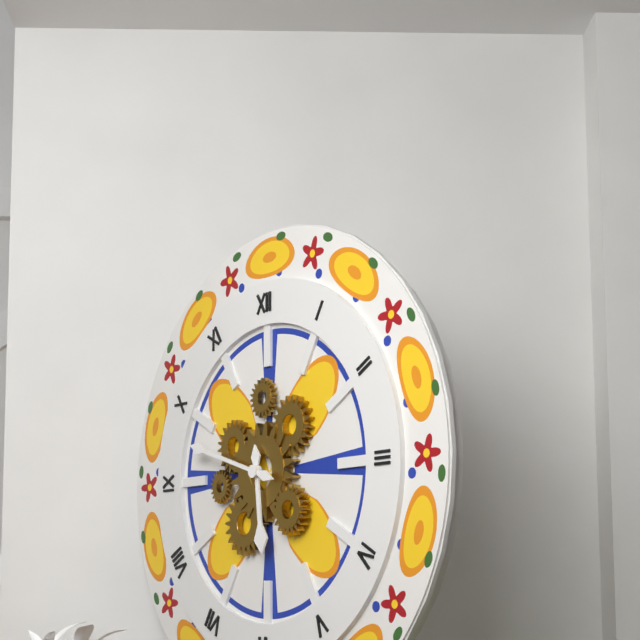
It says 5:48
